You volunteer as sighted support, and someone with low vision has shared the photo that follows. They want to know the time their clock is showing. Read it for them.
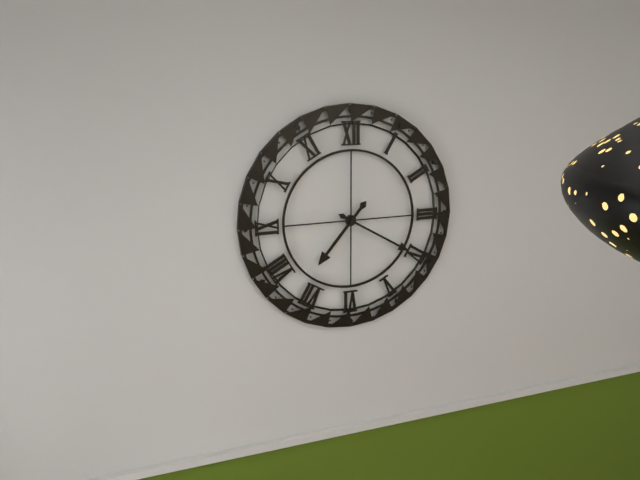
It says 7:20
